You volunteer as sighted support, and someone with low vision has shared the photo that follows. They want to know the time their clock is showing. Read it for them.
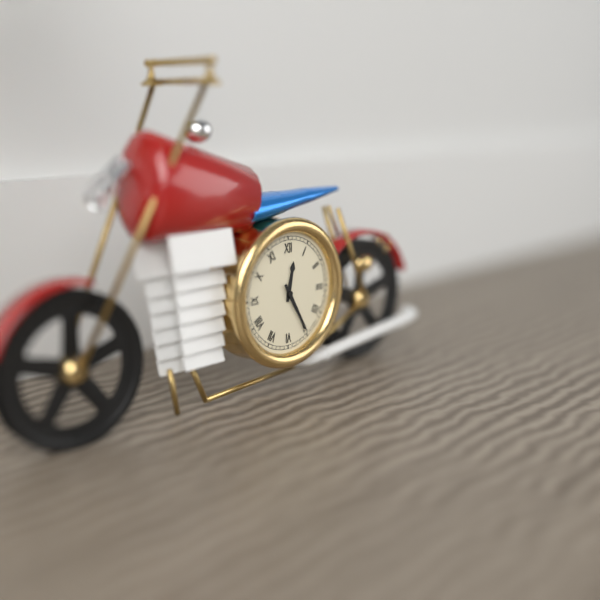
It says 12:25
